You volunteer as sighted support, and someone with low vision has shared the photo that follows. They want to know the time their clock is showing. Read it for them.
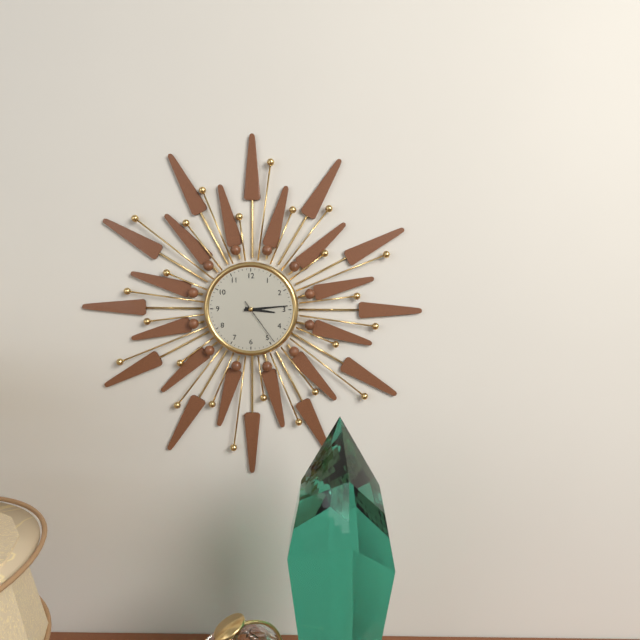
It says 3:14
